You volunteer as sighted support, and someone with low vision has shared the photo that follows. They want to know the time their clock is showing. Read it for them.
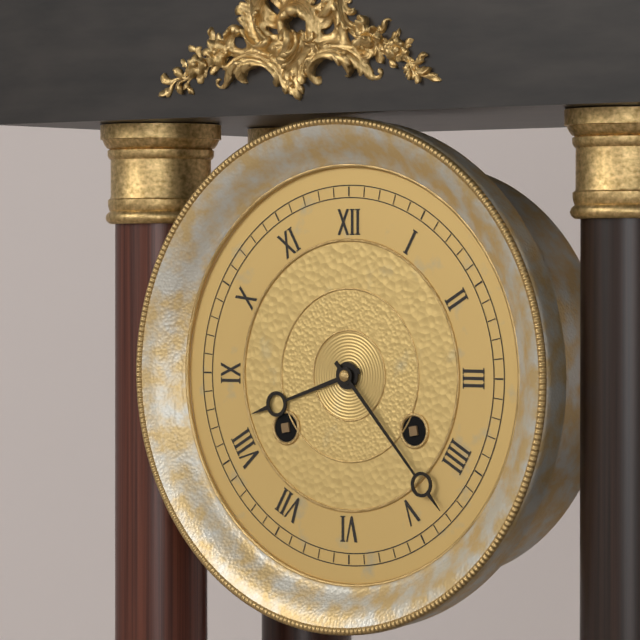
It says 8:23
